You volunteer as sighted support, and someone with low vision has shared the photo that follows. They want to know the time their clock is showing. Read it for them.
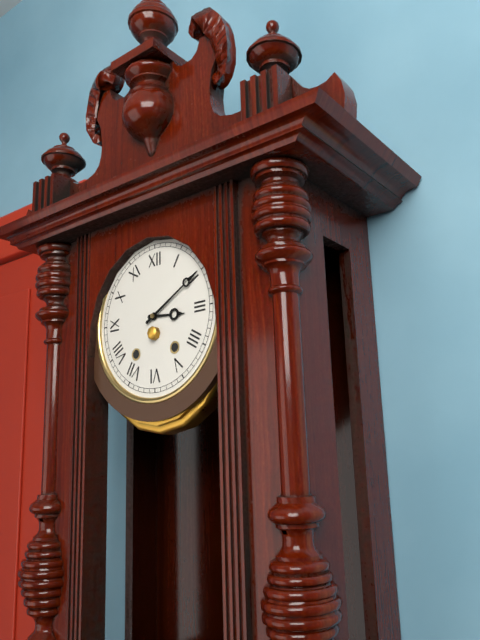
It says 3:10
